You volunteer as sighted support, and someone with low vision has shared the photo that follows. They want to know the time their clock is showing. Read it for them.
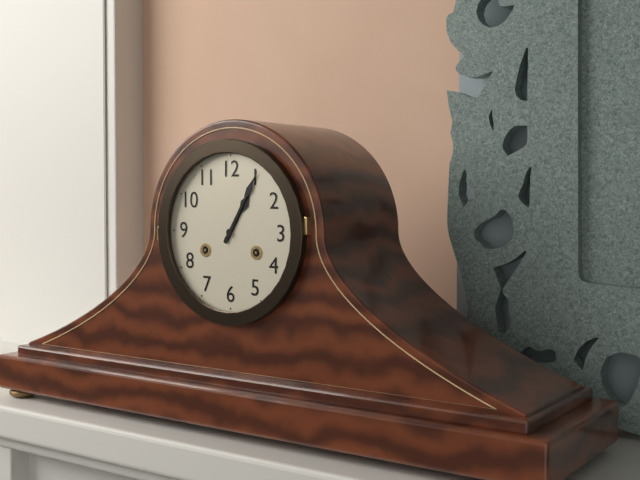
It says 1:05
